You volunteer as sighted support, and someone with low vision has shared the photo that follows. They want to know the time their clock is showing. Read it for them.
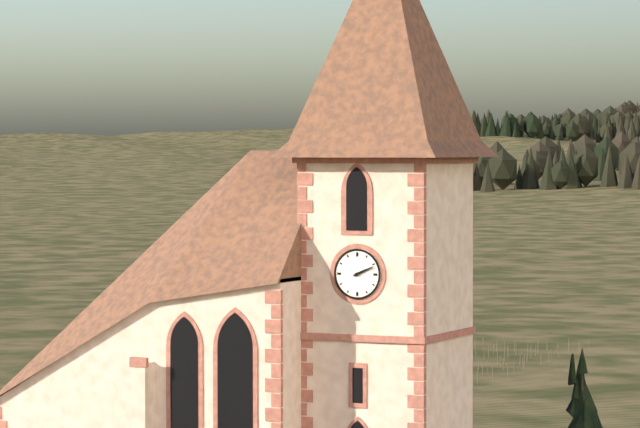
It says 2:11
